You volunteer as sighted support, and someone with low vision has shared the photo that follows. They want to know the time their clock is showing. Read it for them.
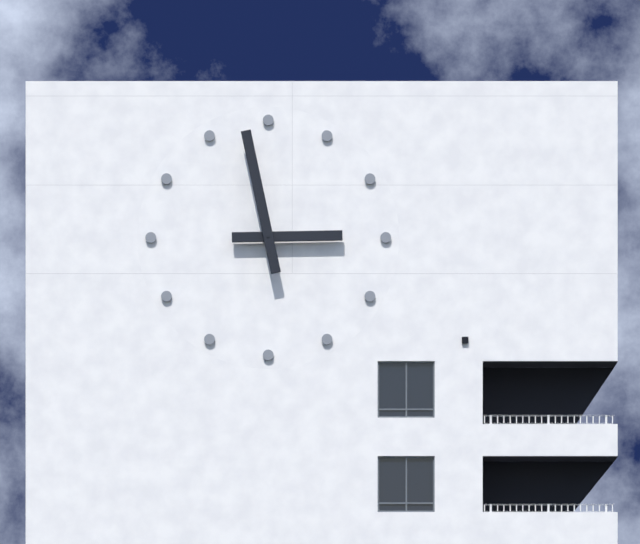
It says 2:58
